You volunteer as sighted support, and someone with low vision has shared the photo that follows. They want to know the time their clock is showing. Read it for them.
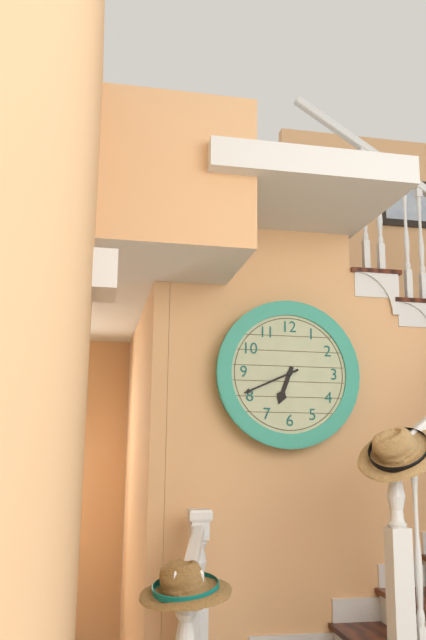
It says 6:41
